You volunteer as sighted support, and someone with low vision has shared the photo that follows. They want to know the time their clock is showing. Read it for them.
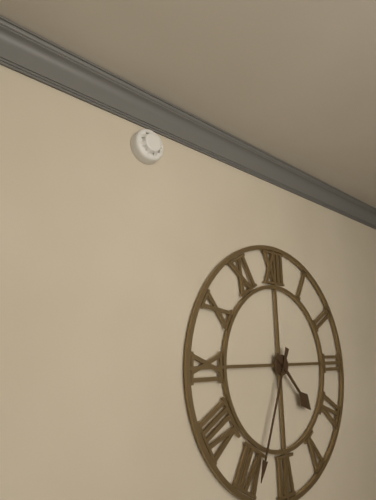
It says 4:34
